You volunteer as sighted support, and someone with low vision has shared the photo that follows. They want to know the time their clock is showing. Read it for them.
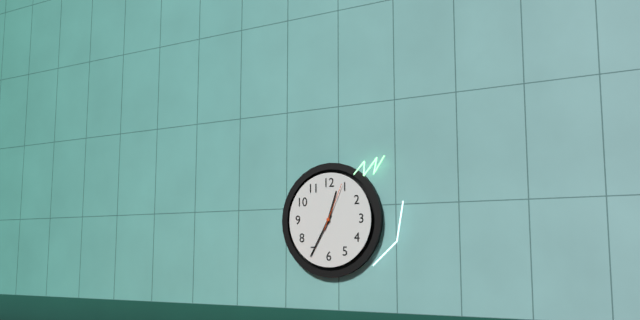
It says 12:35
